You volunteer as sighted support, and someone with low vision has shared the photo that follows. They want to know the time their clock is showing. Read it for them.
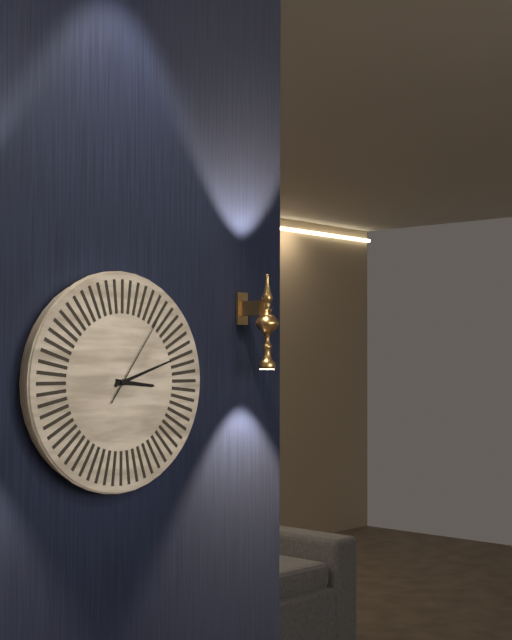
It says 3:12:06
